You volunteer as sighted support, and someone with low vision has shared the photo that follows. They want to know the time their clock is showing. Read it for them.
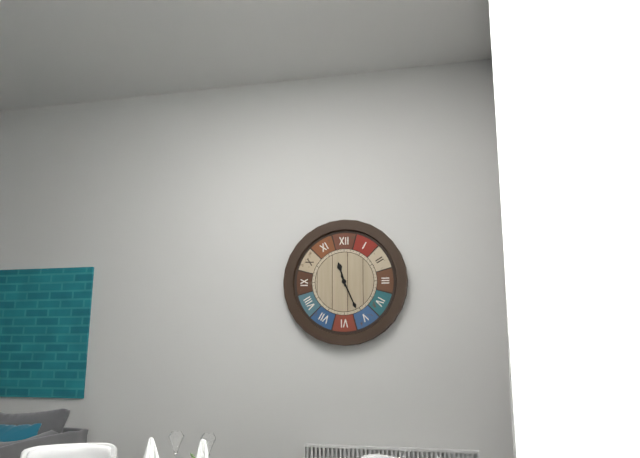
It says 11:26
